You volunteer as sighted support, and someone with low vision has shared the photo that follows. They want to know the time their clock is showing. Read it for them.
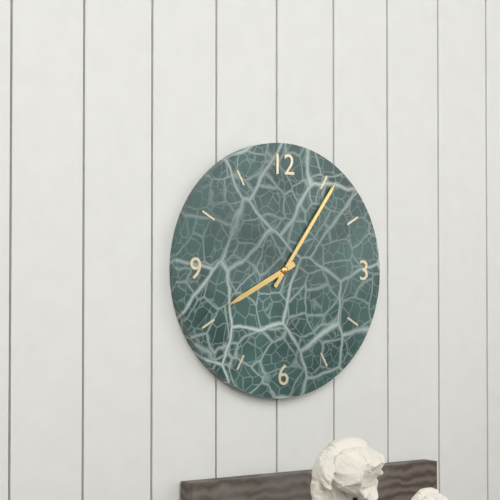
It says 8:06
